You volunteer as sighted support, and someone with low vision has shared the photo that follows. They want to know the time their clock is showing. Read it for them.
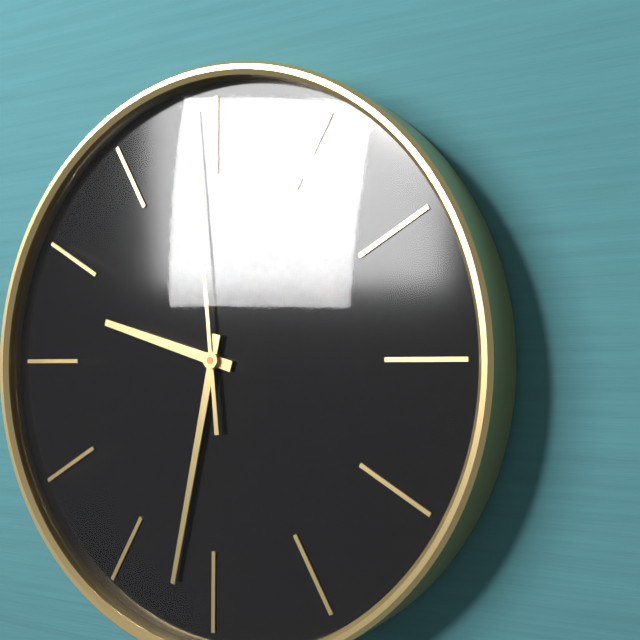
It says 9:32:59
